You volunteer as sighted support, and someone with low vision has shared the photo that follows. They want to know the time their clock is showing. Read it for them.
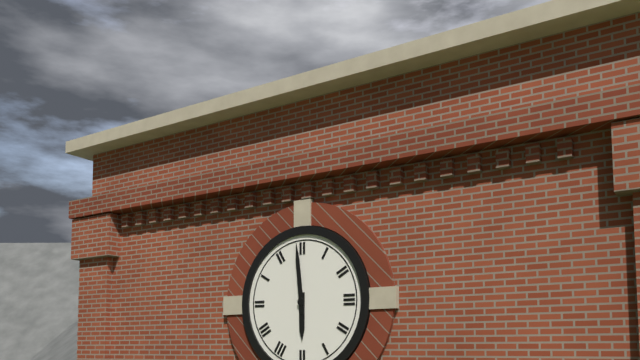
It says 5:59
